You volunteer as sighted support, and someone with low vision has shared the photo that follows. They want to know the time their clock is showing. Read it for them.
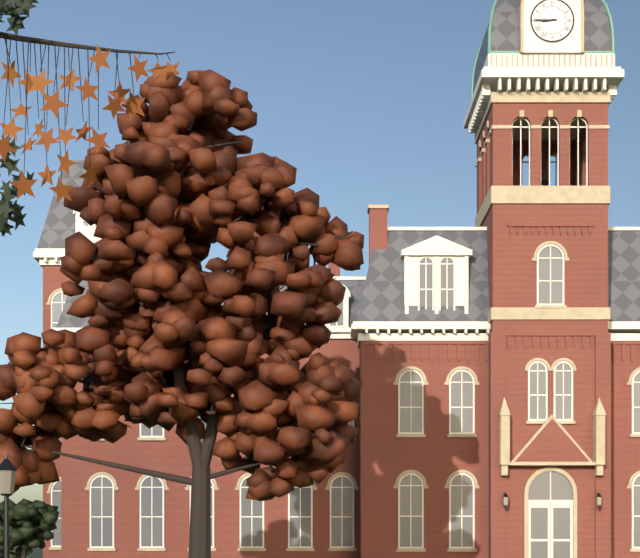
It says 8:45
